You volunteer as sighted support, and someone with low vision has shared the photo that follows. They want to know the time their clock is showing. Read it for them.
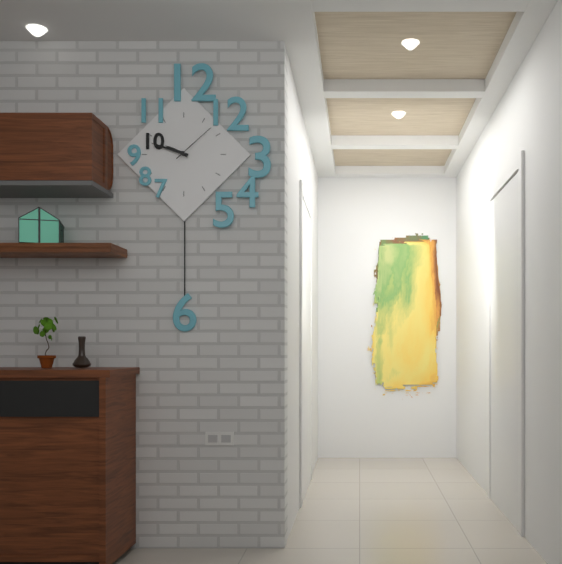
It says 9:48
